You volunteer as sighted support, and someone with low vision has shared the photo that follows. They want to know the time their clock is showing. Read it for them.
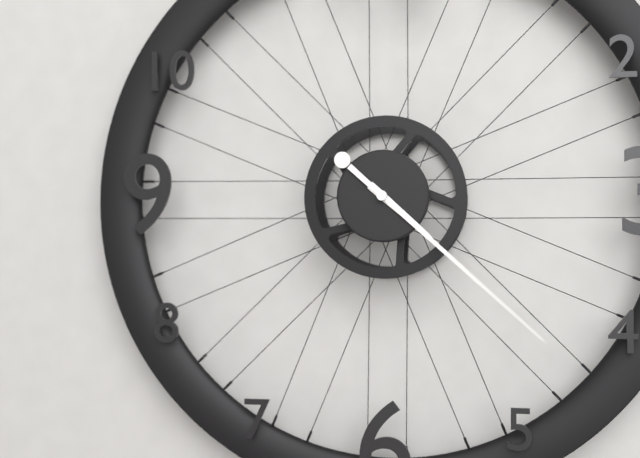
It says 4:22
